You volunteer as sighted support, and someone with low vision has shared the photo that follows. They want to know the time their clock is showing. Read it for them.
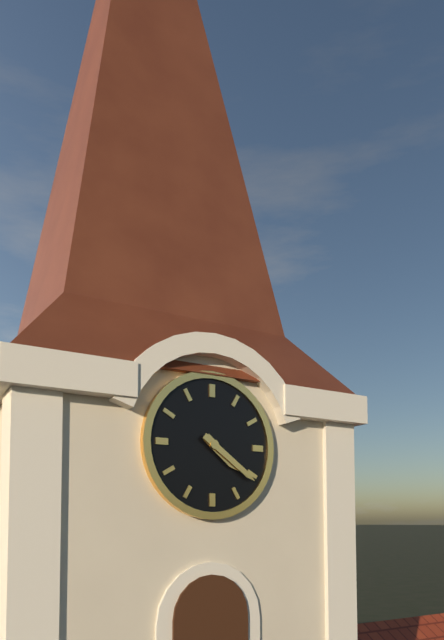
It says 4:21
